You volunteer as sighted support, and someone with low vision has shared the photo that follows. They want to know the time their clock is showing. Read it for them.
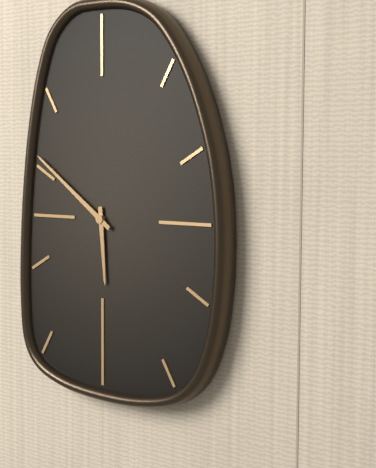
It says 5:51
